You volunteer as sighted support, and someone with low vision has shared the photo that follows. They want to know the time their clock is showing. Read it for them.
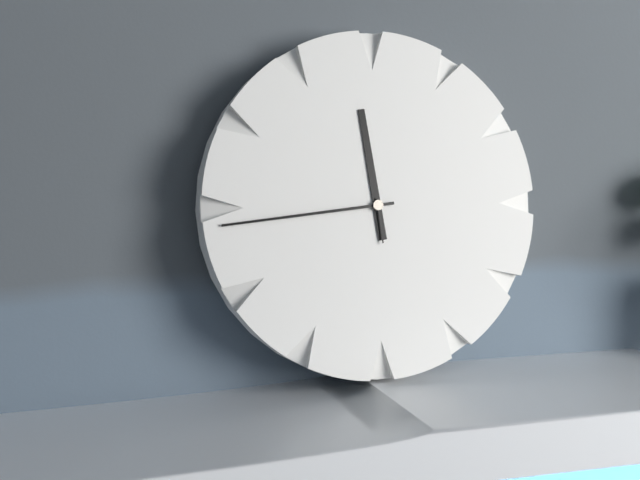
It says 11:44
